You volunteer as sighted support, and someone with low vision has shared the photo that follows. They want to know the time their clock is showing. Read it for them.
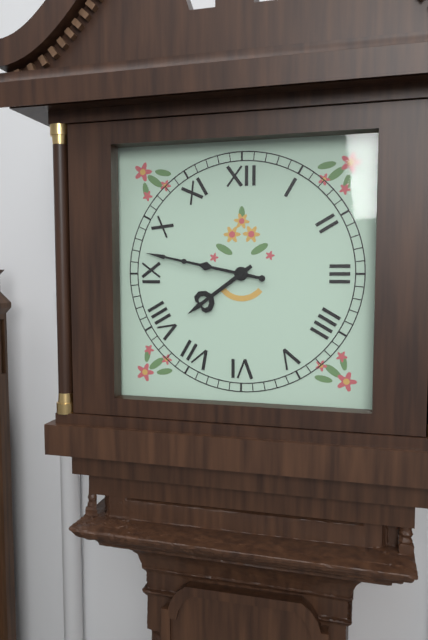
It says 7:47
